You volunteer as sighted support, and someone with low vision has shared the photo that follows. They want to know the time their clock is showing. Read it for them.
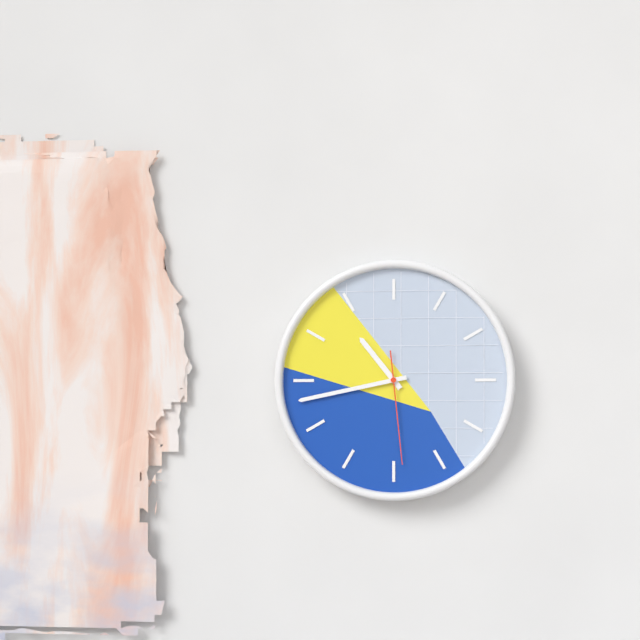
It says 10:43:29
